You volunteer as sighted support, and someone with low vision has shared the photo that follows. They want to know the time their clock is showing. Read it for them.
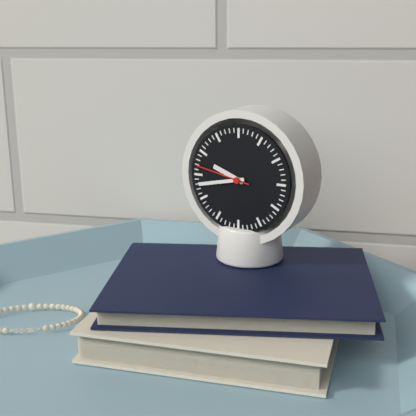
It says 9:43:47
